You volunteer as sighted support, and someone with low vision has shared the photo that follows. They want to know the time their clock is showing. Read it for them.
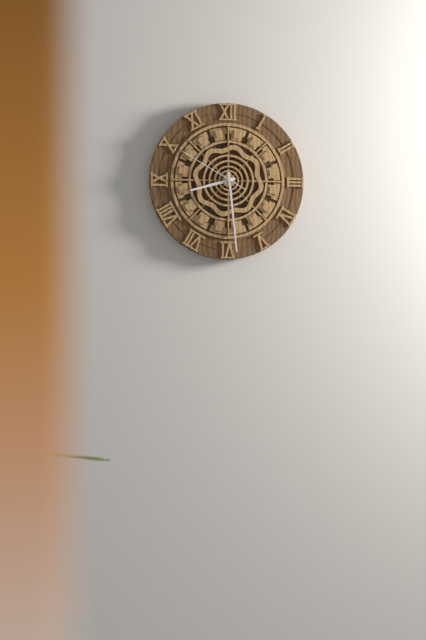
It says 8:29:50
